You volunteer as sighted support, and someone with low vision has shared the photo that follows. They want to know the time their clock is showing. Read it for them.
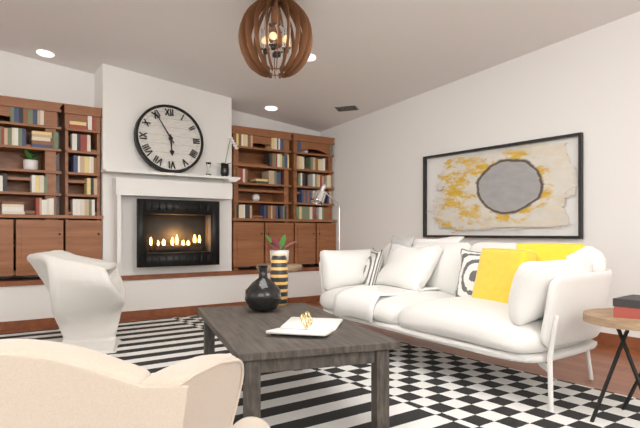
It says 5:55
